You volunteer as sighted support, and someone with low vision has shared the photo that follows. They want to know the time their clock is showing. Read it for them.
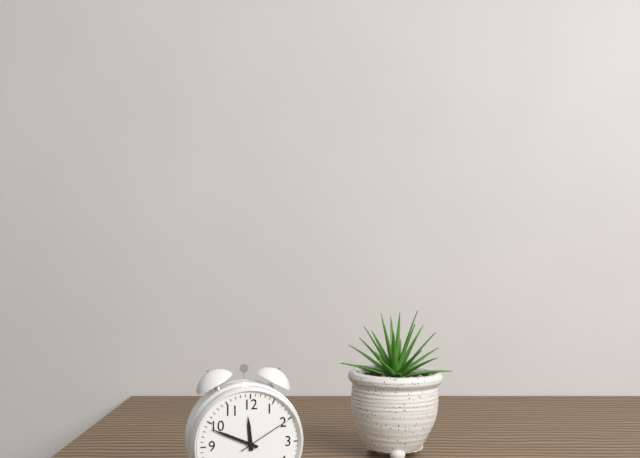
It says 11:49:10
